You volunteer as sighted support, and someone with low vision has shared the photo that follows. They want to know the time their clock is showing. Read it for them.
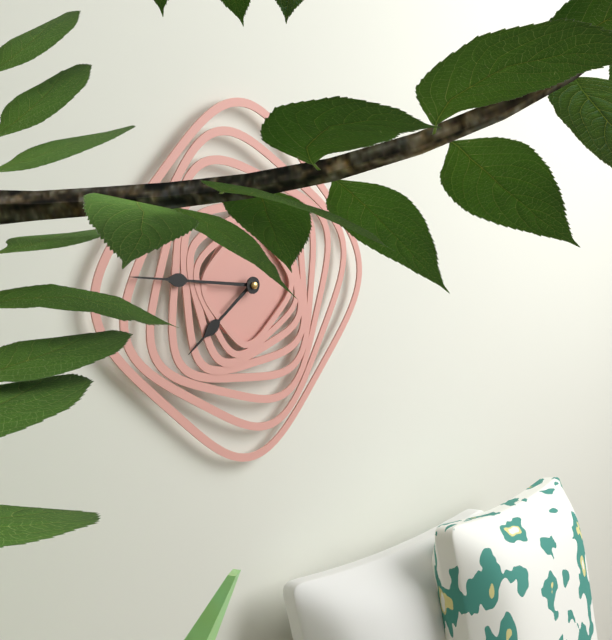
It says 7:46
